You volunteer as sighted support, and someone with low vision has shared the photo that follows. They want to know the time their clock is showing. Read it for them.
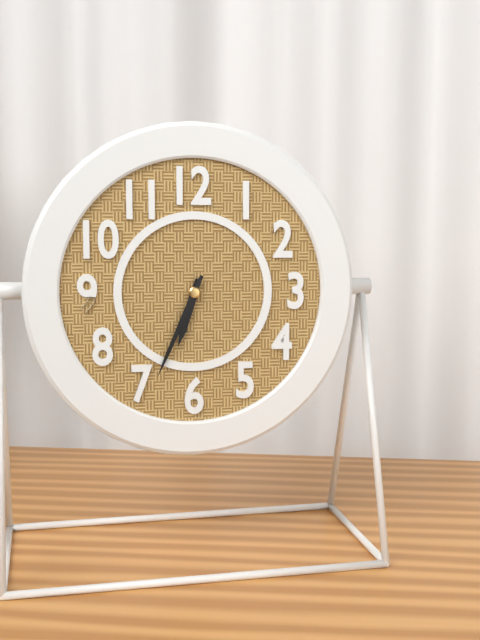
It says 6:34
